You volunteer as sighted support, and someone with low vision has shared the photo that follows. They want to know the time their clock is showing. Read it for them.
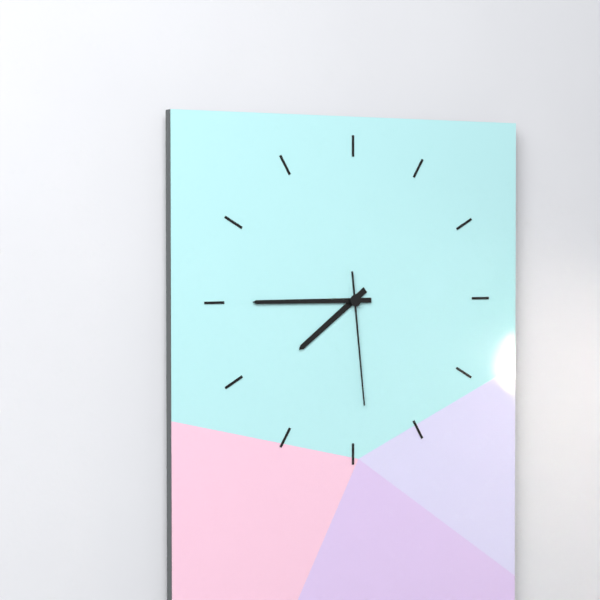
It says 7:45:29
